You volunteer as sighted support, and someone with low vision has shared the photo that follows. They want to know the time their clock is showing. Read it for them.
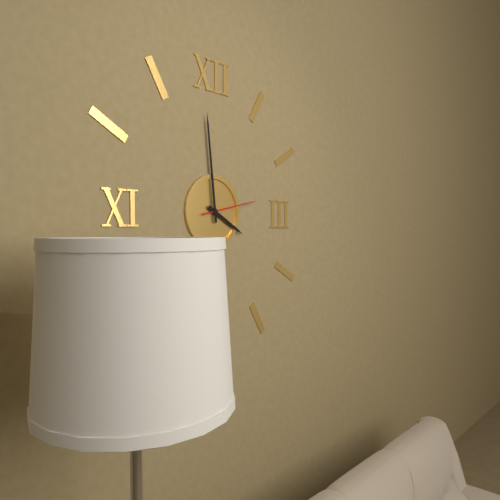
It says 3:59:13
